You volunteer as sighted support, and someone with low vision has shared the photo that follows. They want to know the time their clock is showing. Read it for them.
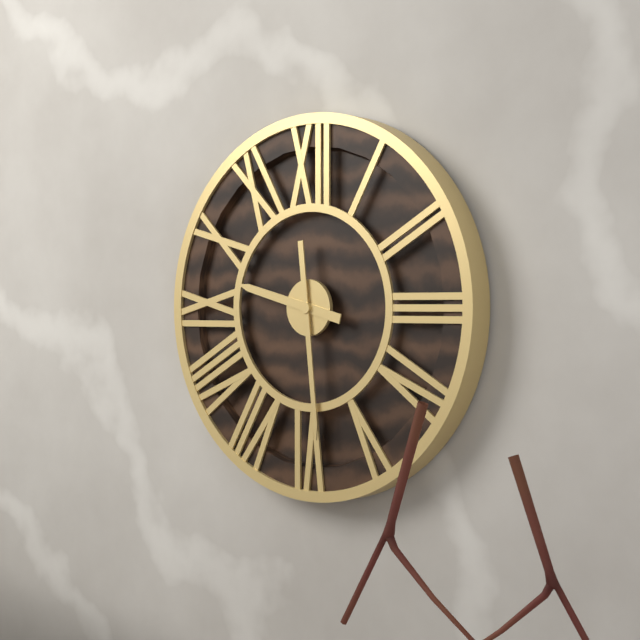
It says 9:29
